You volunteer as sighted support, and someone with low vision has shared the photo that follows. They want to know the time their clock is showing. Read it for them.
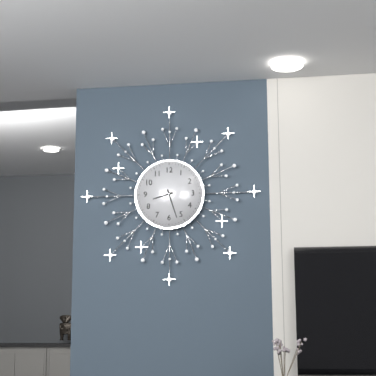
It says 8:27
